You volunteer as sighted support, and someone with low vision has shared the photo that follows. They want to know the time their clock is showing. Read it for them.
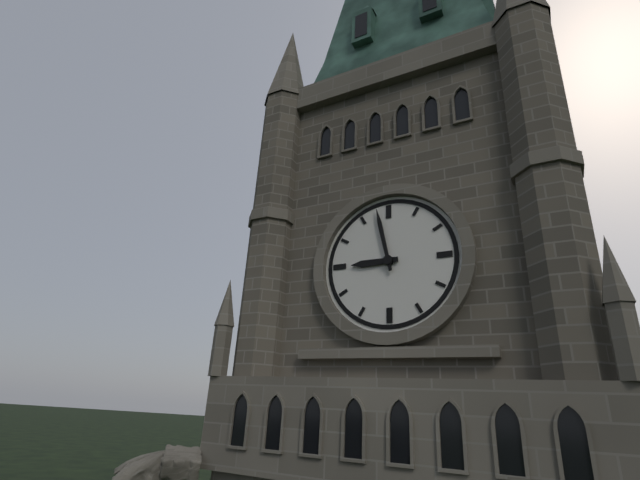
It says 8:58
